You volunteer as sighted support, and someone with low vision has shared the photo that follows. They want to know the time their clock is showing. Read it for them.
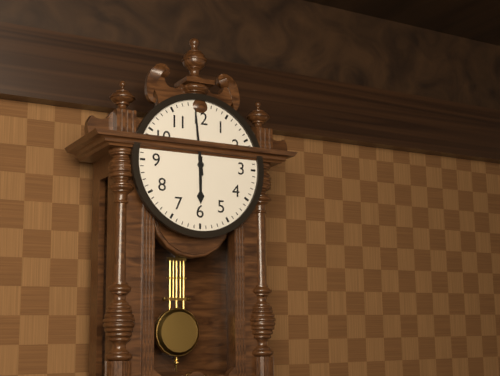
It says 5:59
